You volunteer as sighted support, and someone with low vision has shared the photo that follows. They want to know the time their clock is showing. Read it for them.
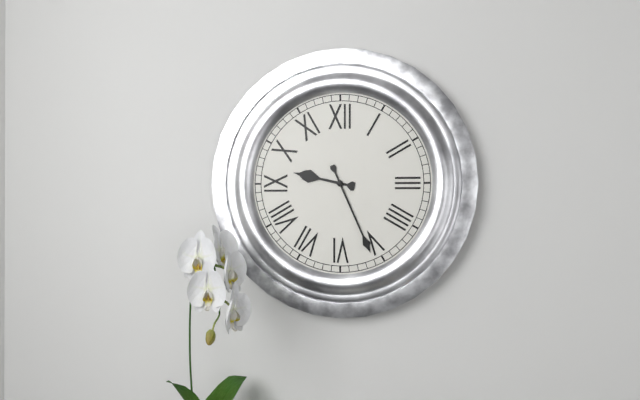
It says 9:26
